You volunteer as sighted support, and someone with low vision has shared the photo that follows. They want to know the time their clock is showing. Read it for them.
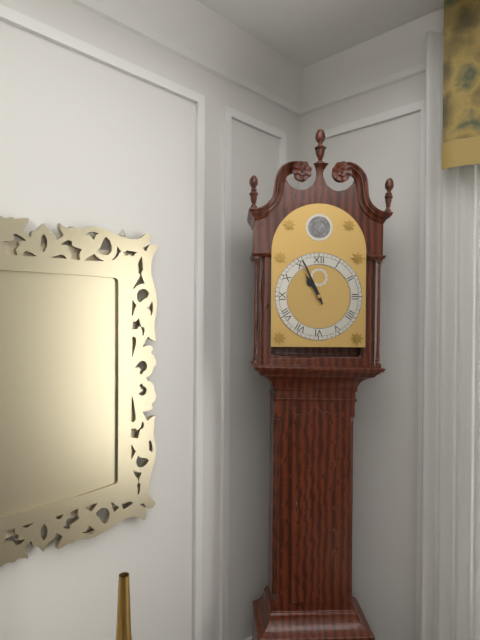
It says 10:56
